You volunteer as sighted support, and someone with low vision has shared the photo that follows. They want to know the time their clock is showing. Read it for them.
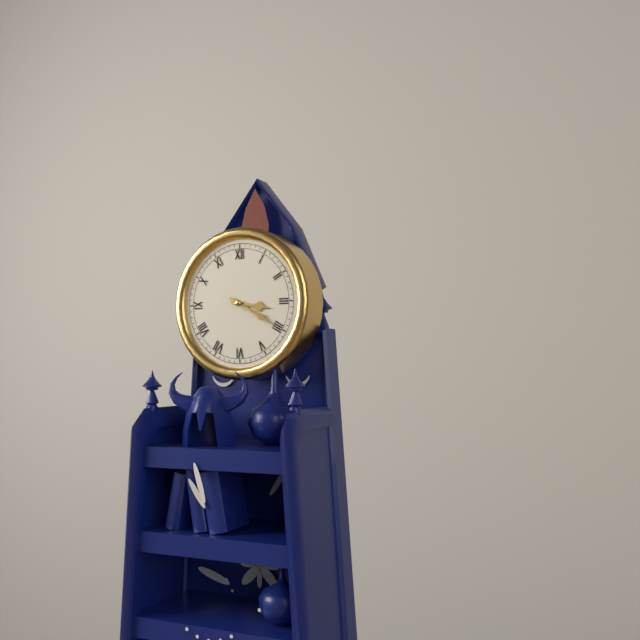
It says 3:20
